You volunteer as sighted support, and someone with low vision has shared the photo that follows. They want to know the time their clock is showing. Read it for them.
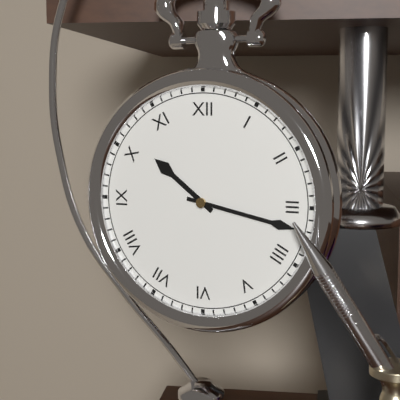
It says 10:17
